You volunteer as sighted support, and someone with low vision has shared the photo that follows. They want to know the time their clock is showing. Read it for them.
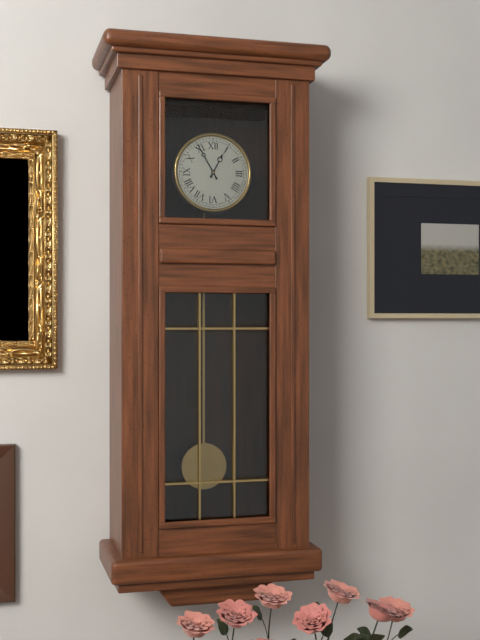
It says 12:55
